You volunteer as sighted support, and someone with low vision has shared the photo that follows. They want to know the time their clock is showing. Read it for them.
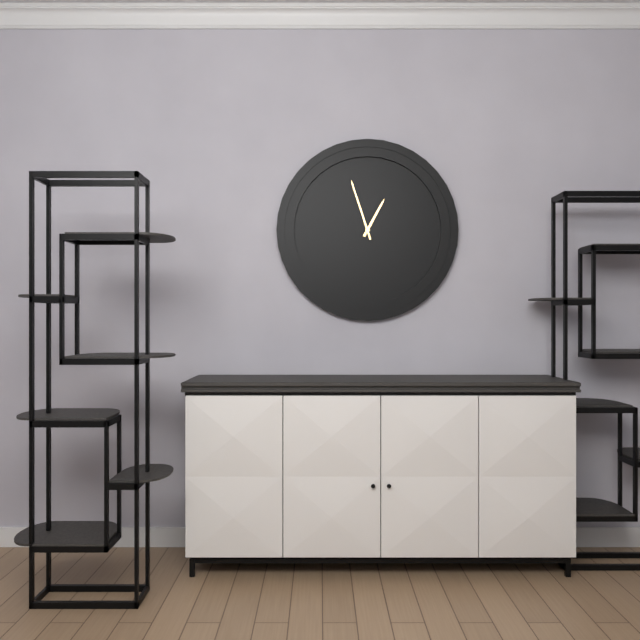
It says 12:57
